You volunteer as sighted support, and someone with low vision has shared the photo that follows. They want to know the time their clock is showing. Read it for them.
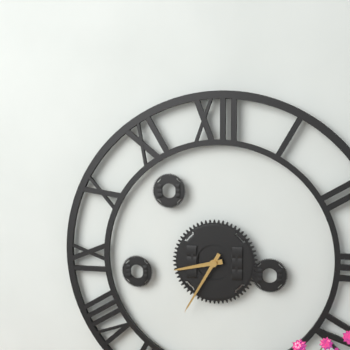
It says 8:35
